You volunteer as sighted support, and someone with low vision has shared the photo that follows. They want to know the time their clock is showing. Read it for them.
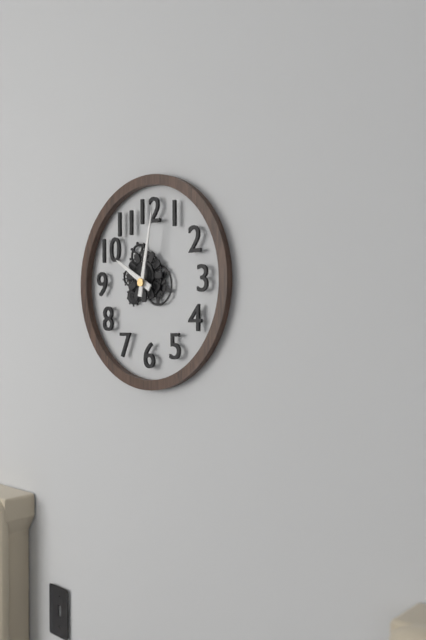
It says 10:02
